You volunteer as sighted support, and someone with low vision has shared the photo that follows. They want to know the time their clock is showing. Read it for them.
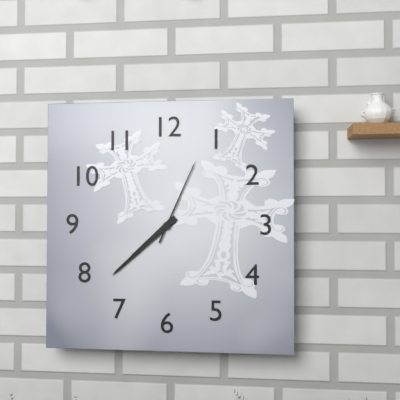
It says 7:38:04
